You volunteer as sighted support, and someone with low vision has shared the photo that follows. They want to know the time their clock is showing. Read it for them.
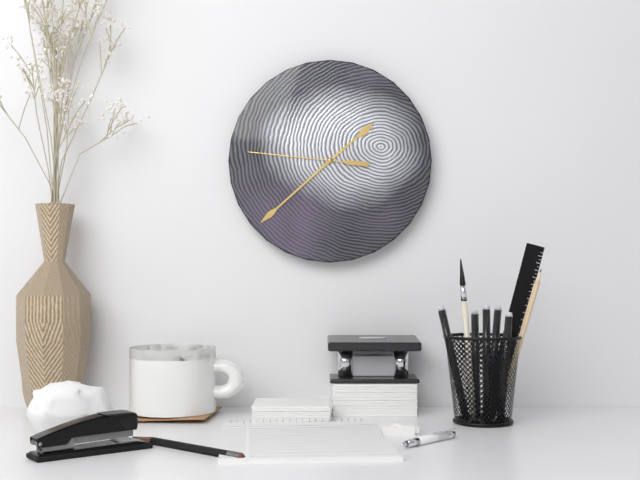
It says 1:38:46
